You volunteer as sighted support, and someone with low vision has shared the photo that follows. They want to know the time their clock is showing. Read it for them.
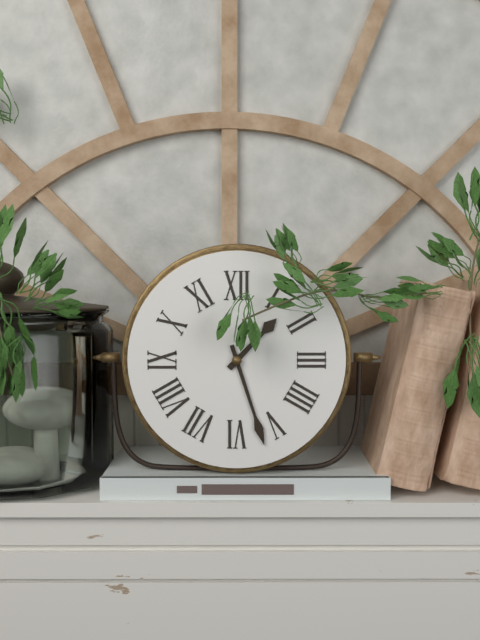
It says 1:27
